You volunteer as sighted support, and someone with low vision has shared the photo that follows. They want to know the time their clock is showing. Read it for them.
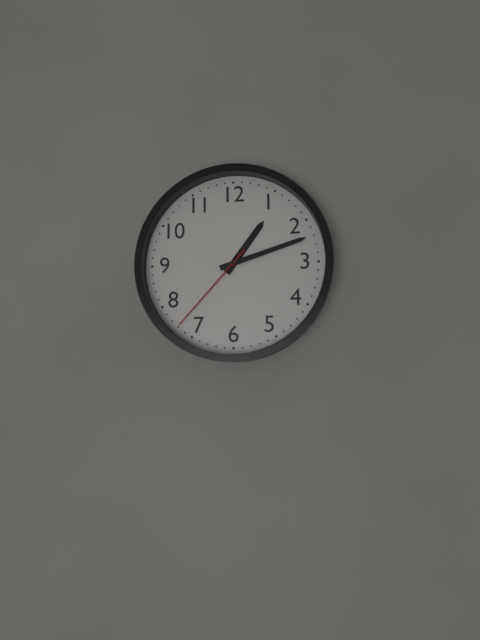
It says 1:12:37
